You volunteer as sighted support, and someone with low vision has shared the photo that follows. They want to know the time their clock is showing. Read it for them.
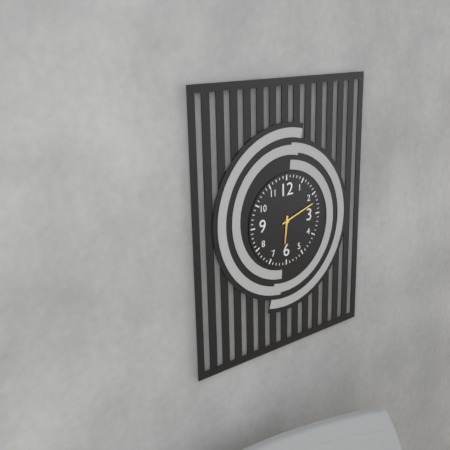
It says 6:12
